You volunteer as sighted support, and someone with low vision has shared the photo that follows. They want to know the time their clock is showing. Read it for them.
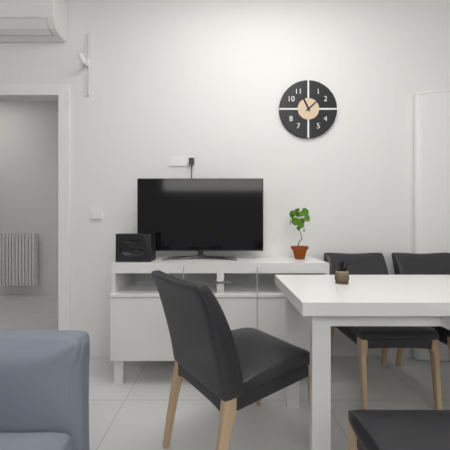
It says 11:08
